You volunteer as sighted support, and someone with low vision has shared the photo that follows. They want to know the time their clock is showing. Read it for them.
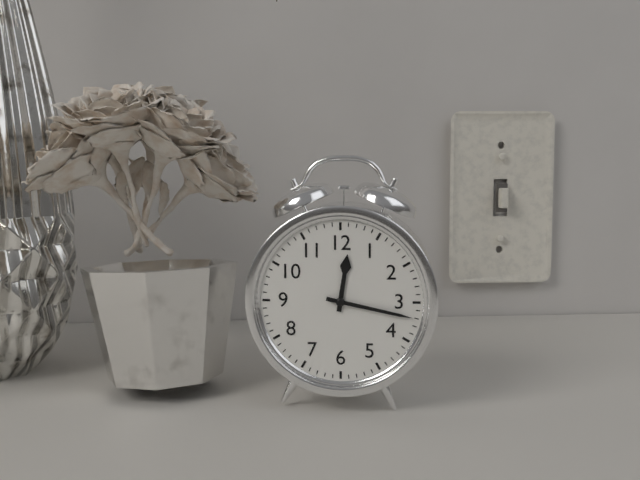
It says 12:17
